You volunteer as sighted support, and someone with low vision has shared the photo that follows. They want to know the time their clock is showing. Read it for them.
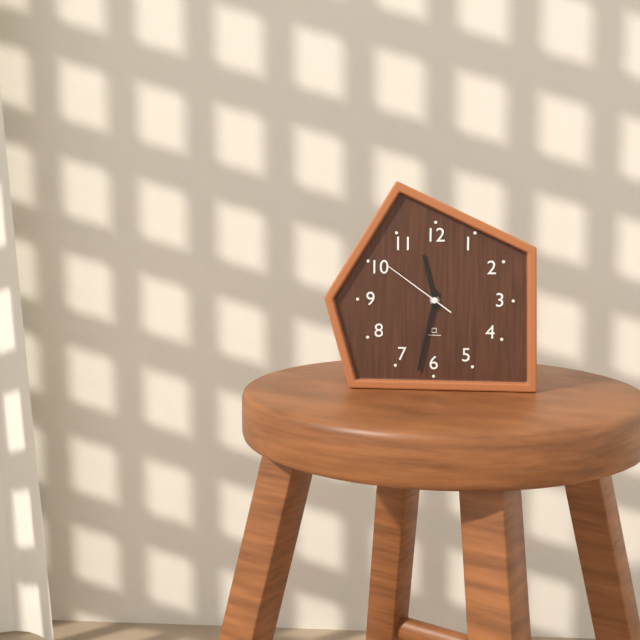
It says 11:32:51
